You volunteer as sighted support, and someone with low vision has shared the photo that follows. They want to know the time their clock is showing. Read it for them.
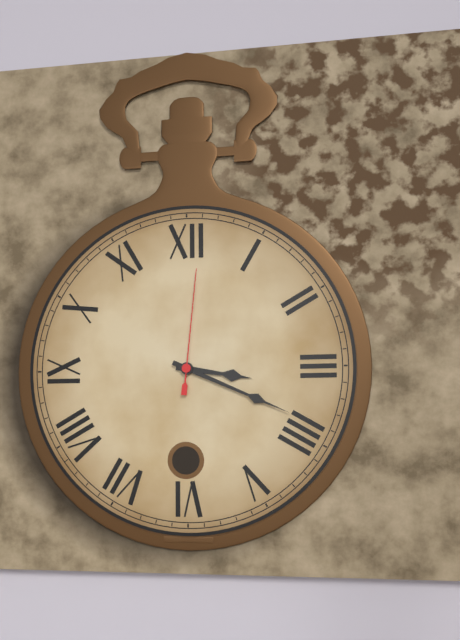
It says 3:19:01
